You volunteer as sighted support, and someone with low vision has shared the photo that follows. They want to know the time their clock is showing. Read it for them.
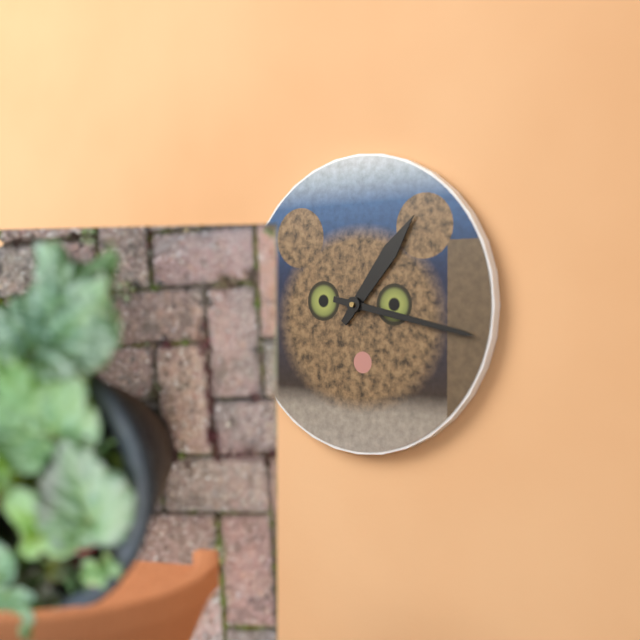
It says 1:17
